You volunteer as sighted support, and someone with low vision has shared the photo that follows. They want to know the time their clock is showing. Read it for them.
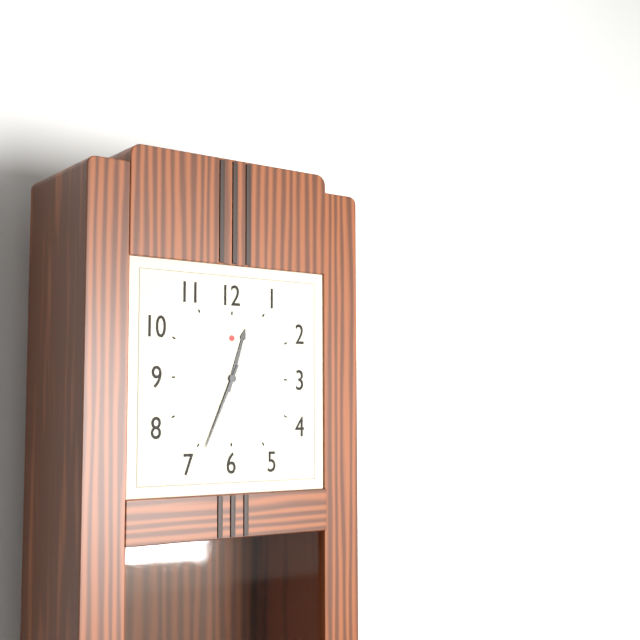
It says 12:34
